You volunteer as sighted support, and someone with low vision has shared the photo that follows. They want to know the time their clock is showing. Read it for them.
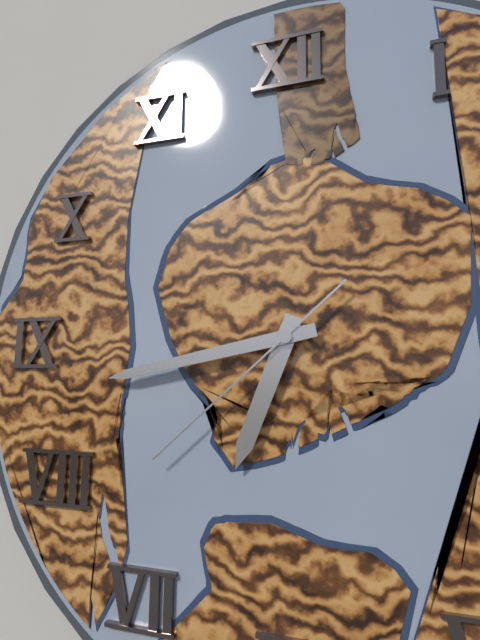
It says 6:43:38
